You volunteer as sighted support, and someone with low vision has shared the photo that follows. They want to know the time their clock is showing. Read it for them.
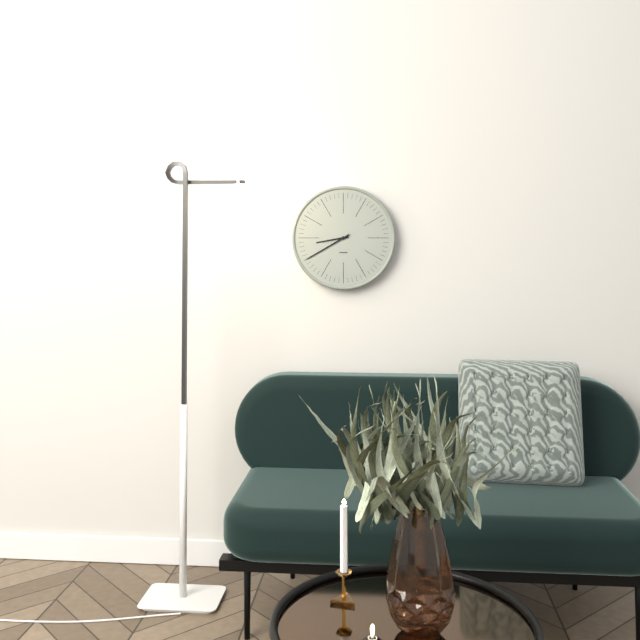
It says 8:40
